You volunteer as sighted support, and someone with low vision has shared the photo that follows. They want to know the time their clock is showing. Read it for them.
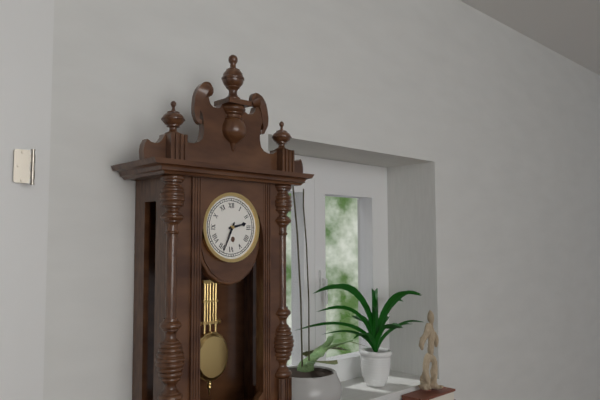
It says 2:34
